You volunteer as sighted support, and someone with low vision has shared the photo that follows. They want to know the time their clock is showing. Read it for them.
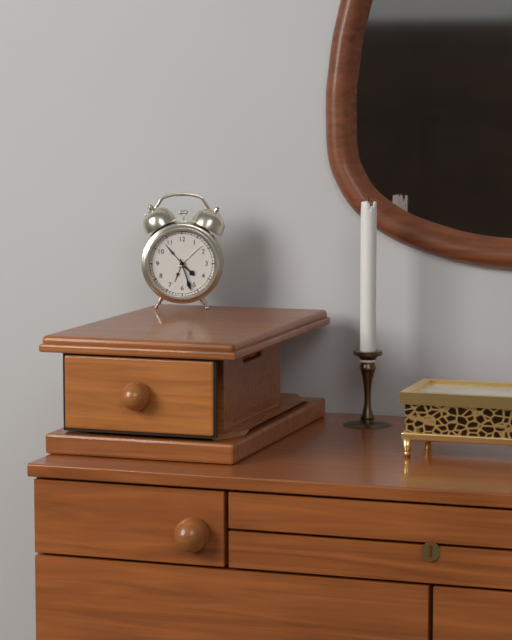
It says 4:27
